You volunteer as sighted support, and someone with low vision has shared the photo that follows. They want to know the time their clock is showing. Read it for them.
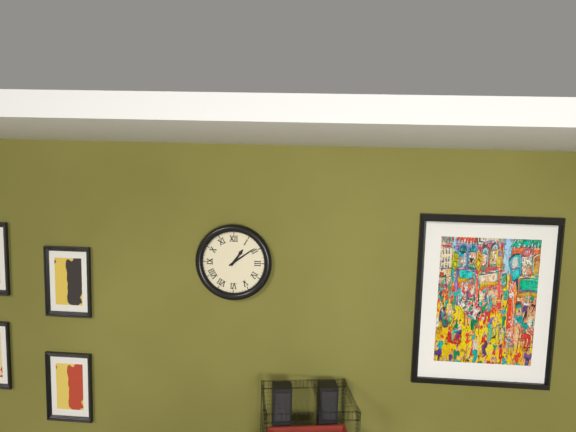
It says 1:09
